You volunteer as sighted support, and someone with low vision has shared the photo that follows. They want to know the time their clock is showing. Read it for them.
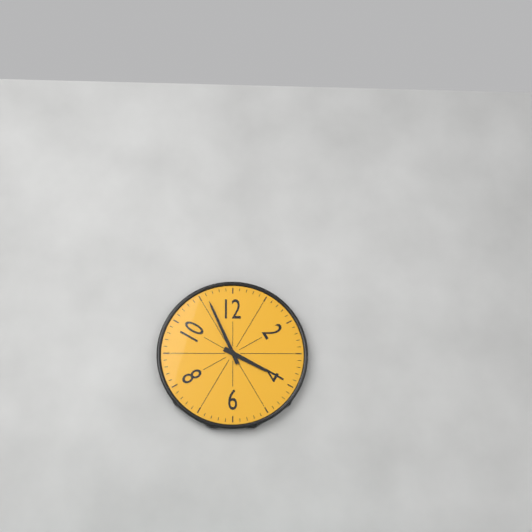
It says 3:56
